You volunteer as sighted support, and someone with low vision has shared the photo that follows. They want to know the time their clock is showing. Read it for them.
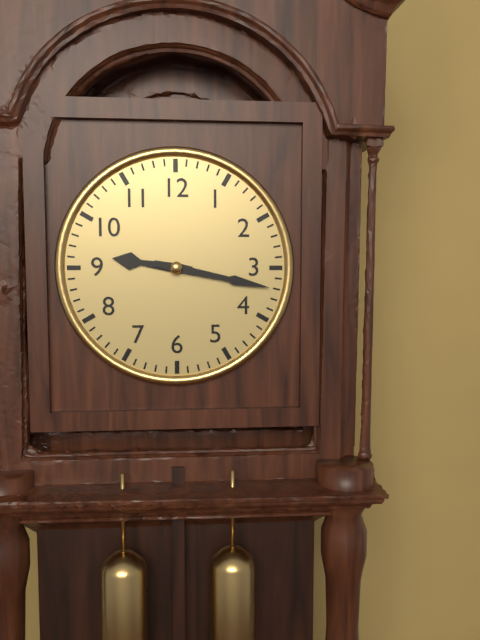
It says 9:17
